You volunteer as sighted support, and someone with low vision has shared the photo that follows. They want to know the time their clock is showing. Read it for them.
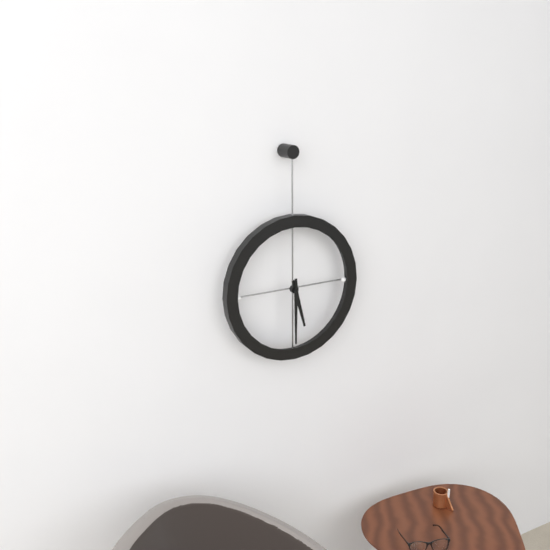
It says 5:30
